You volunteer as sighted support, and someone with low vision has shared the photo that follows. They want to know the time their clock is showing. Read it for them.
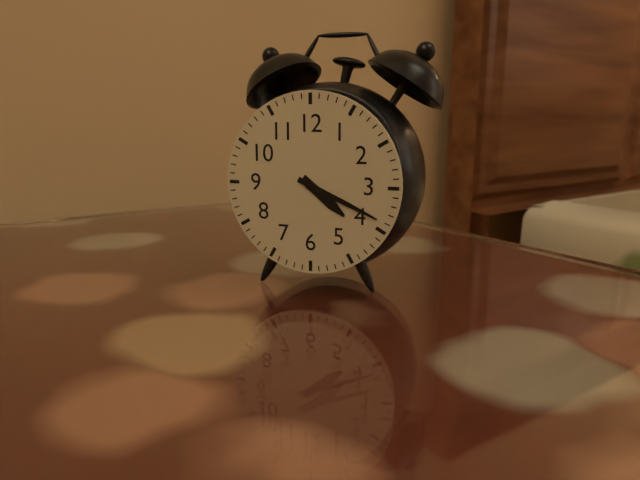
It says 4:19
